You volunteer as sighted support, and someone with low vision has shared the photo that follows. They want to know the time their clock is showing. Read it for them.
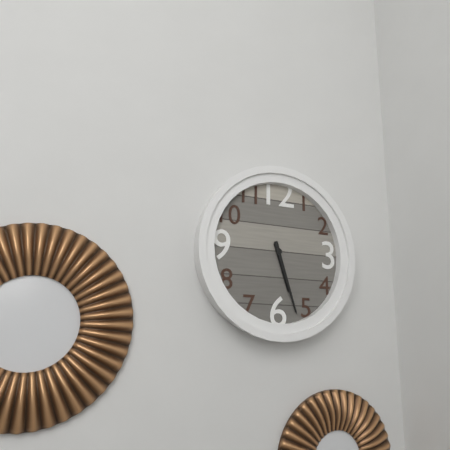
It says 5:27
